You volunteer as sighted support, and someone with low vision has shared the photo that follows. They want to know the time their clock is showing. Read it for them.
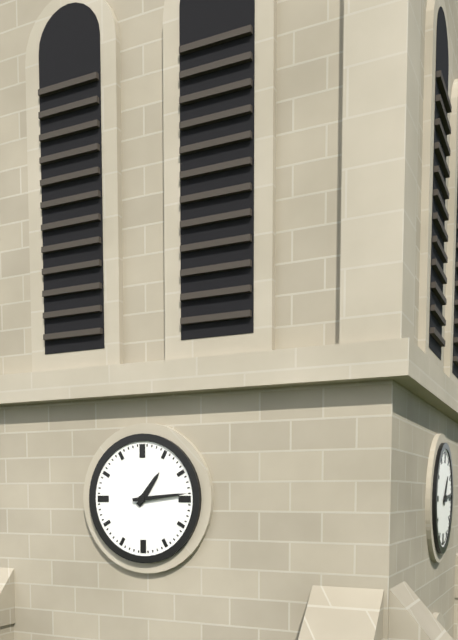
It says 1:14
